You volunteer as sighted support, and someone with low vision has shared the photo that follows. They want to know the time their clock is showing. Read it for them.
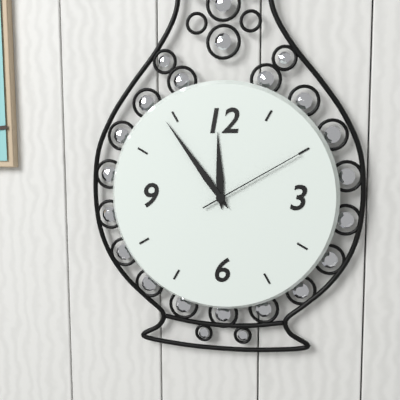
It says 11:54:10
